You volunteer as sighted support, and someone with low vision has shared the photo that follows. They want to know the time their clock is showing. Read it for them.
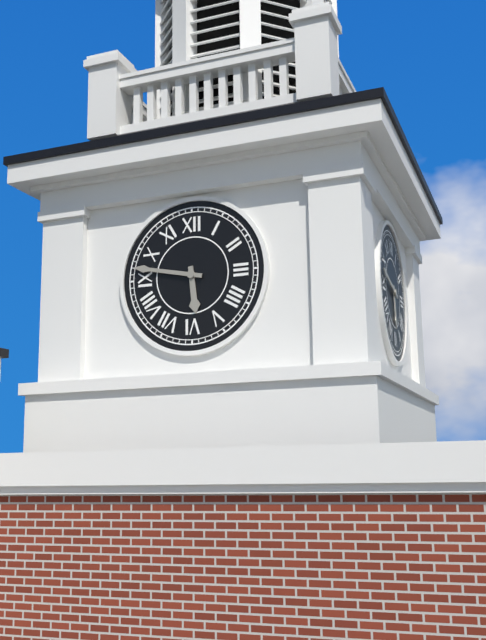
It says 5:47
